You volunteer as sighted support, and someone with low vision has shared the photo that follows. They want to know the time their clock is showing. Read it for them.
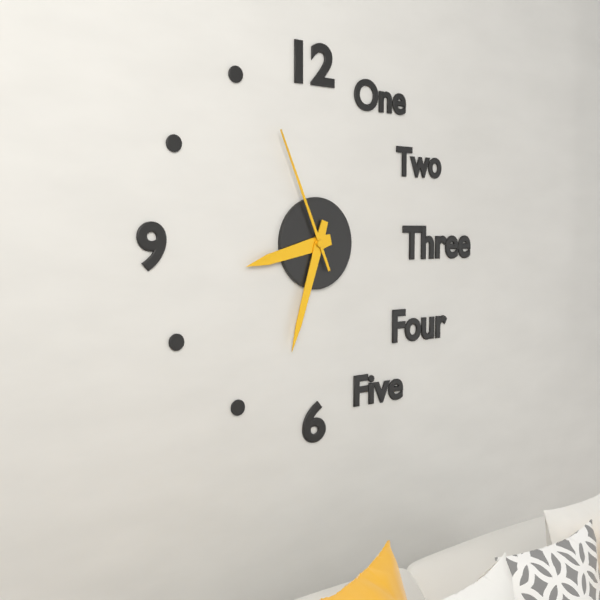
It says 8:33:56
